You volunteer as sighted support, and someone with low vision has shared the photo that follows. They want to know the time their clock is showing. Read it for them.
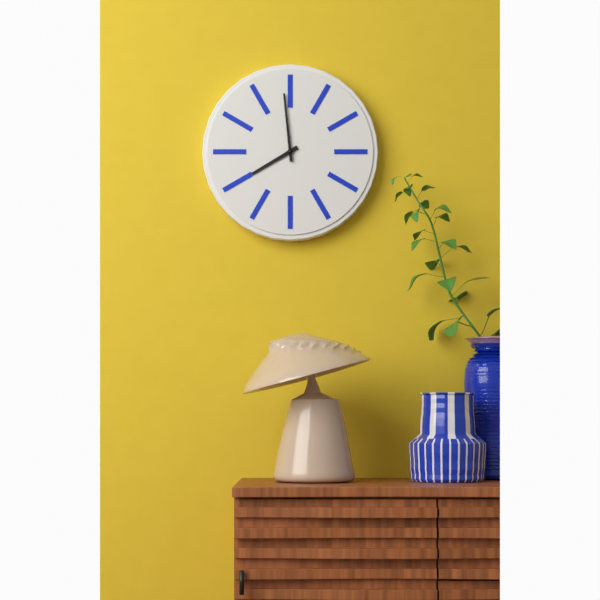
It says 7:59
